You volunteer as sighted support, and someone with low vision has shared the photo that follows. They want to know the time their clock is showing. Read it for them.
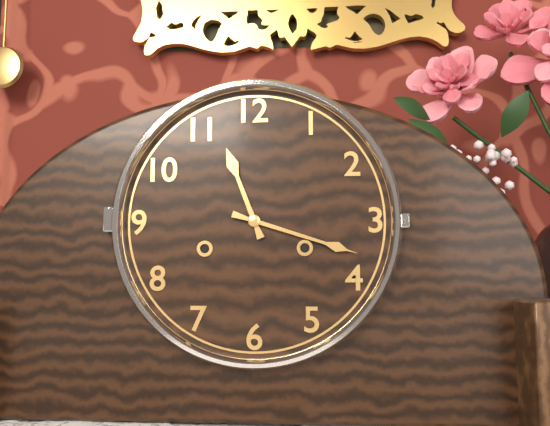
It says 11:18
